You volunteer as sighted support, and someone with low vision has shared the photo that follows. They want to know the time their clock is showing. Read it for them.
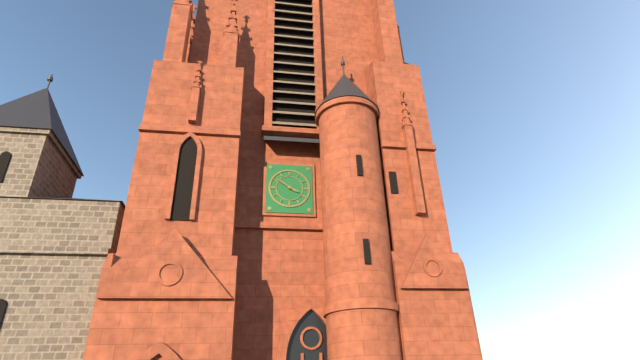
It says 3:51
